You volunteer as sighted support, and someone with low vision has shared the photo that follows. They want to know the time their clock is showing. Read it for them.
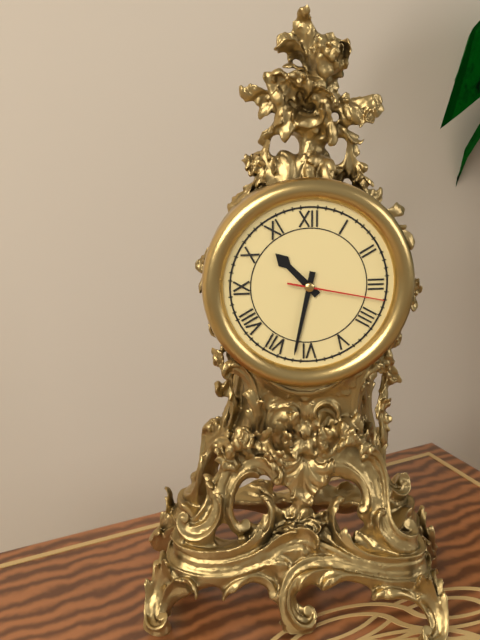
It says 10:32:17
